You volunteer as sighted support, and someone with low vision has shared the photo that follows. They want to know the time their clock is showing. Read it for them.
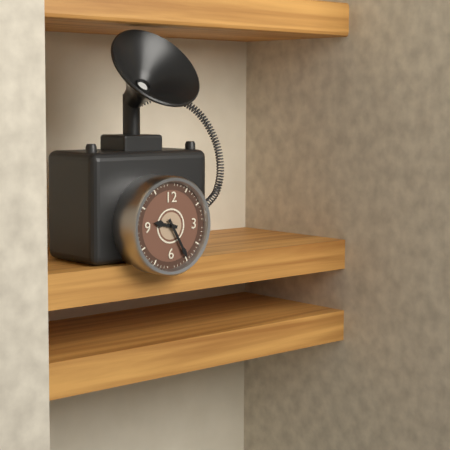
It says 9:25
